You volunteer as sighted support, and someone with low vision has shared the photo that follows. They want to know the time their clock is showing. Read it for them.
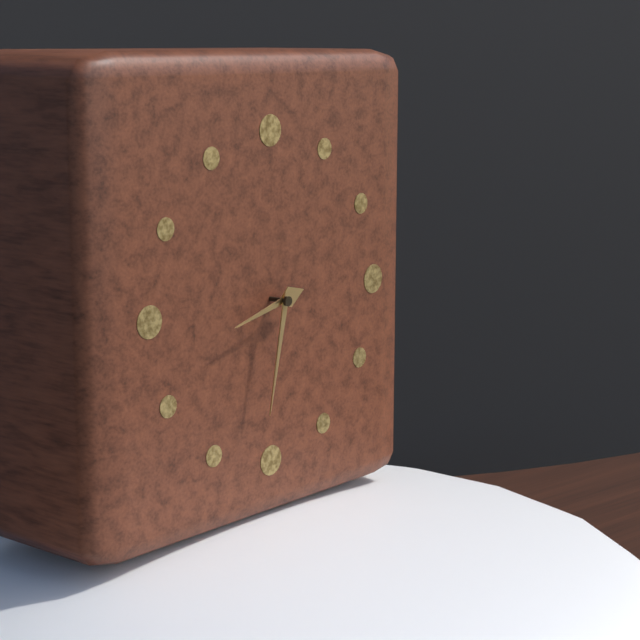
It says 8:32
